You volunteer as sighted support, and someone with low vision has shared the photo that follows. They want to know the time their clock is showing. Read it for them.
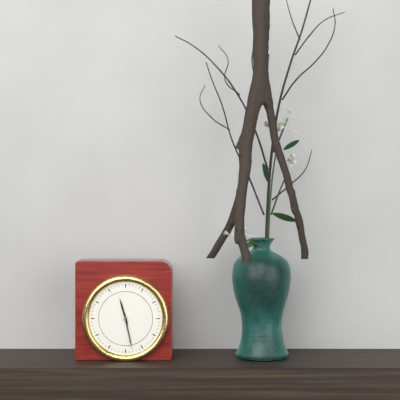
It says 11:28
